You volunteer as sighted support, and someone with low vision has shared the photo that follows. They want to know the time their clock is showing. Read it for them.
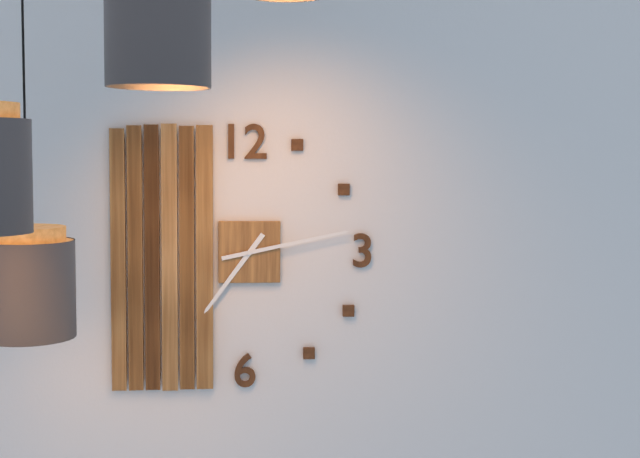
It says 7:13
